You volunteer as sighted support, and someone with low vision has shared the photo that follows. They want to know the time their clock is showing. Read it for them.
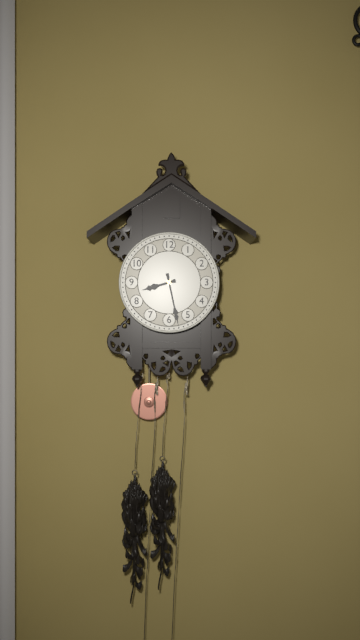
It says 8:28
